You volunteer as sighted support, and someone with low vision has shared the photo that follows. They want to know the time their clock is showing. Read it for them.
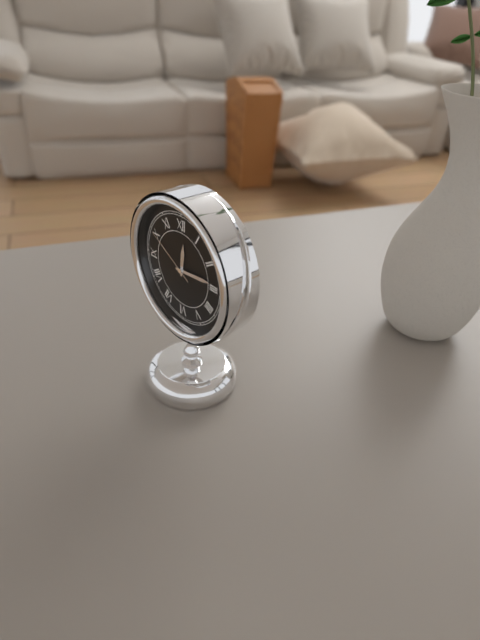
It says 12:14:50
